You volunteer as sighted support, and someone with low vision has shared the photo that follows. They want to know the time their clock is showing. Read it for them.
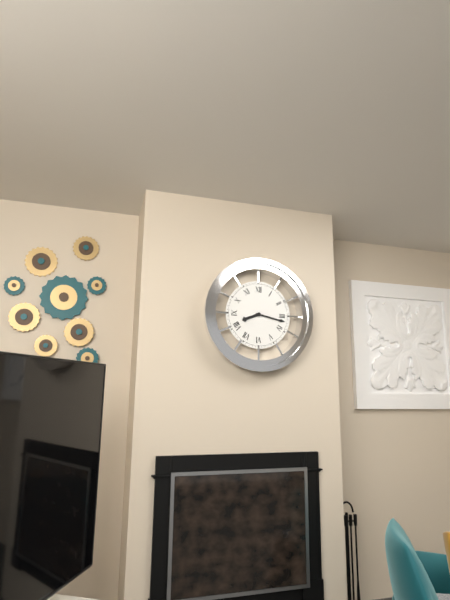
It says 8:17
